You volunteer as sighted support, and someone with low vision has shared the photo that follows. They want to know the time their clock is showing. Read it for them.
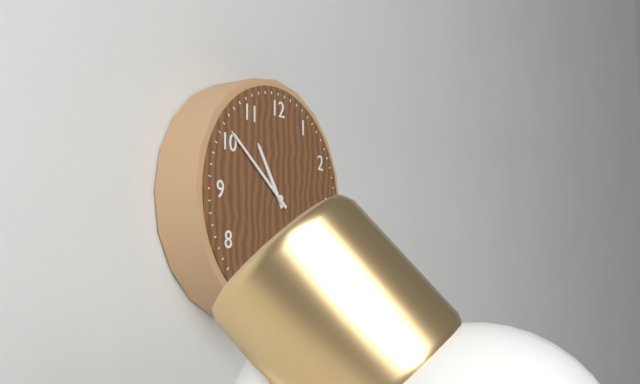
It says 10:51
